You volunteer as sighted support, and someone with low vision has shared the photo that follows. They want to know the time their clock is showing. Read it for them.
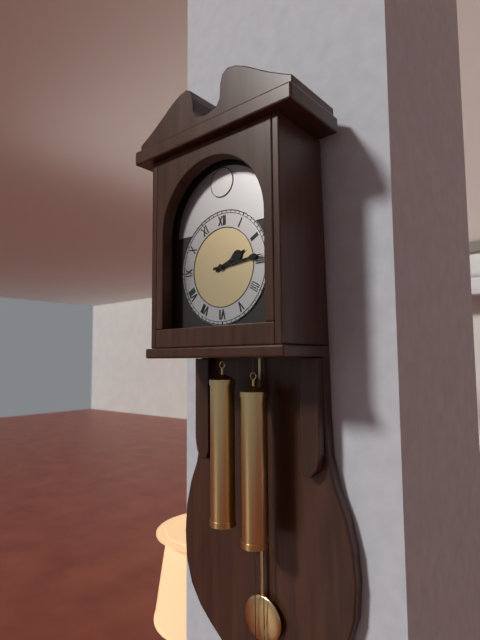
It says 2:14
